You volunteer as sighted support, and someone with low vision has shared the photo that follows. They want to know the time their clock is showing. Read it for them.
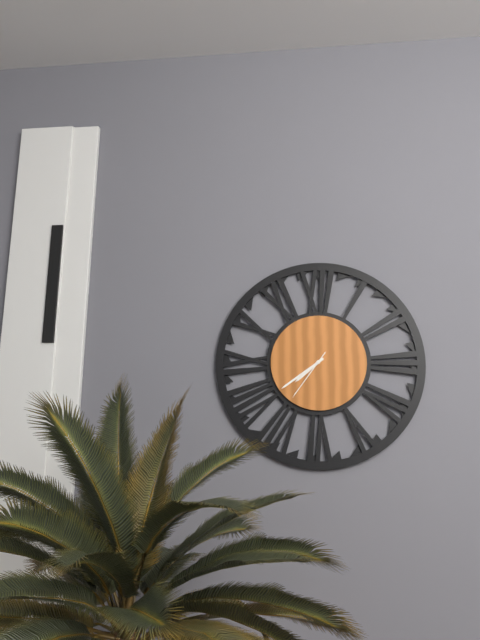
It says 7:39:36
